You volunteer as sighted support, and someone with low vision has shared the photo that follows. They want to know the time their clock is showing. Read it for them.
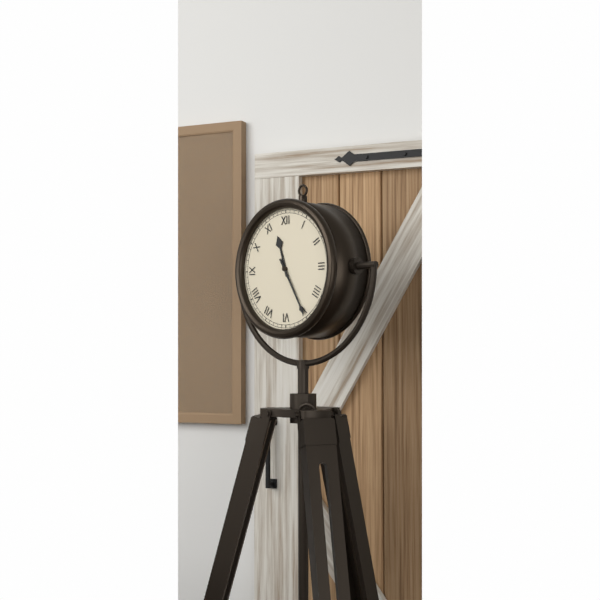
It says 11:25
